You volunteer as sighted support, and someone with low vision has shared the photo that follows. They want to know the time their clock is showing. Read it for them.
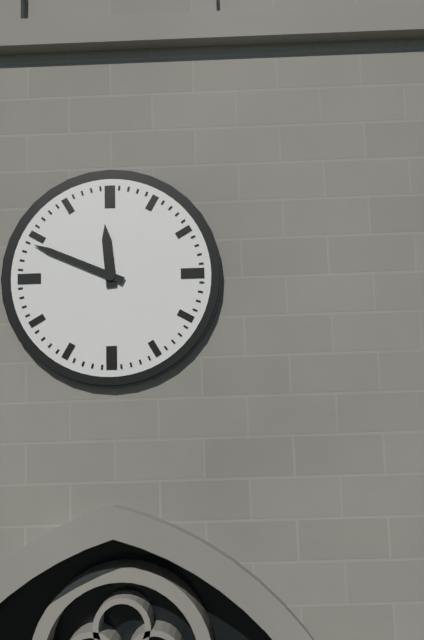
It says 11:49
